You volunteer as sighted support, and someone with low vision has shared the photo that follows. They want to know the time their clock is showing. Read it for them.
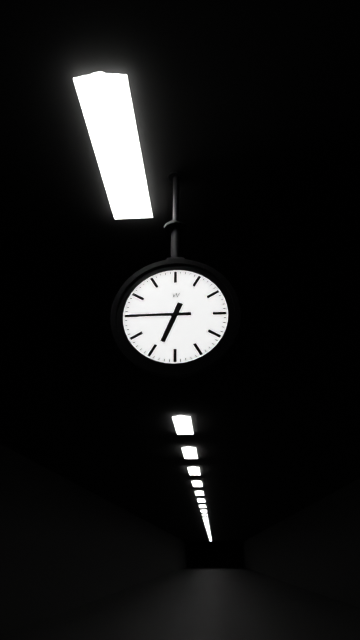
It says 6:45
